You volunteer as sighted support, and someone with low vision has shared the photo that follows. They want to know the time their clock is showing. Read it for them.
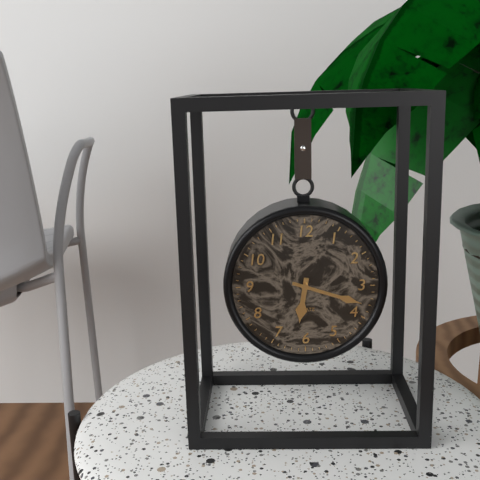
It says 6:18
